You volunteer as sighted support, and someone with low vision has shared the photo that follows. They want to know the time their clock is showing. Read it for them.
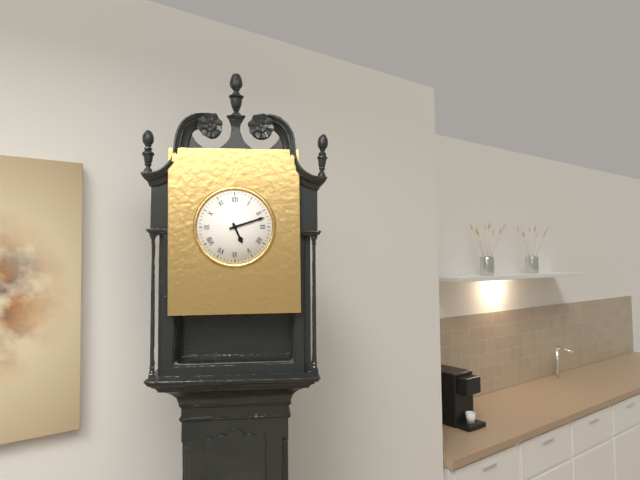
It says 5:12
